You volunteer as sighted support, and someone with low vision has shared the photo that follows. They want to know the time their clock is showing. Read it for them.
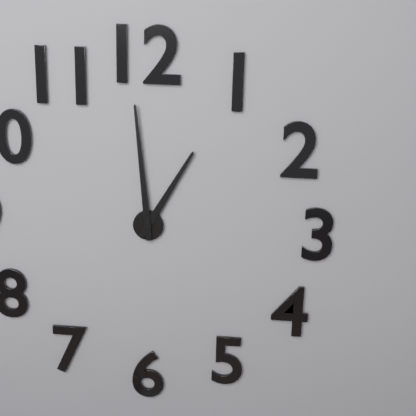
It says 12:59
